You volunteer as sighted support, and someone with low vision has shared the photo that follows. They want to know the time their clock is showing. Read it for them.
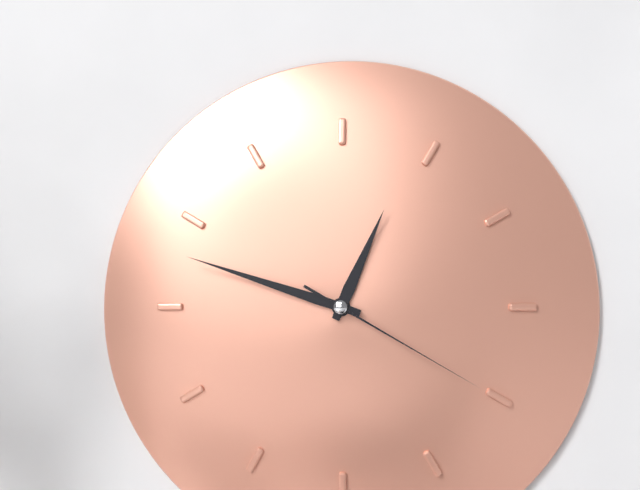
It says 12:48:20
